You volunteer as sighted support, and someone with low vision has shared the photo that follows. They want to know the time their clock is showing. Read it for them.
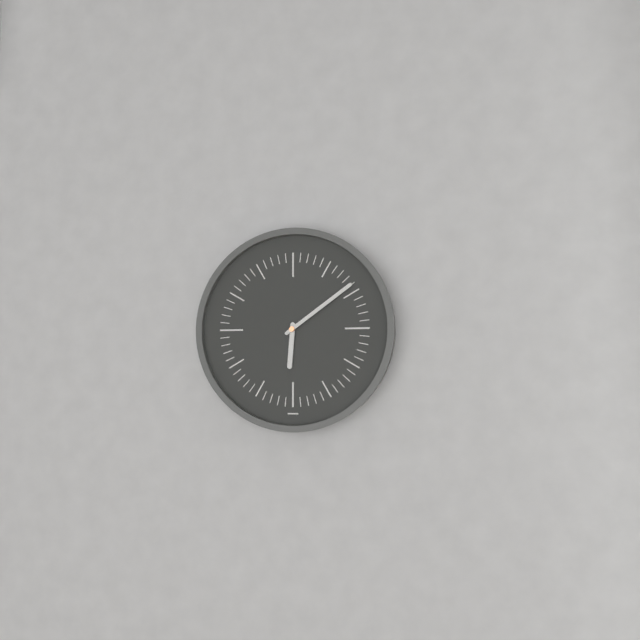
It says 6:09
